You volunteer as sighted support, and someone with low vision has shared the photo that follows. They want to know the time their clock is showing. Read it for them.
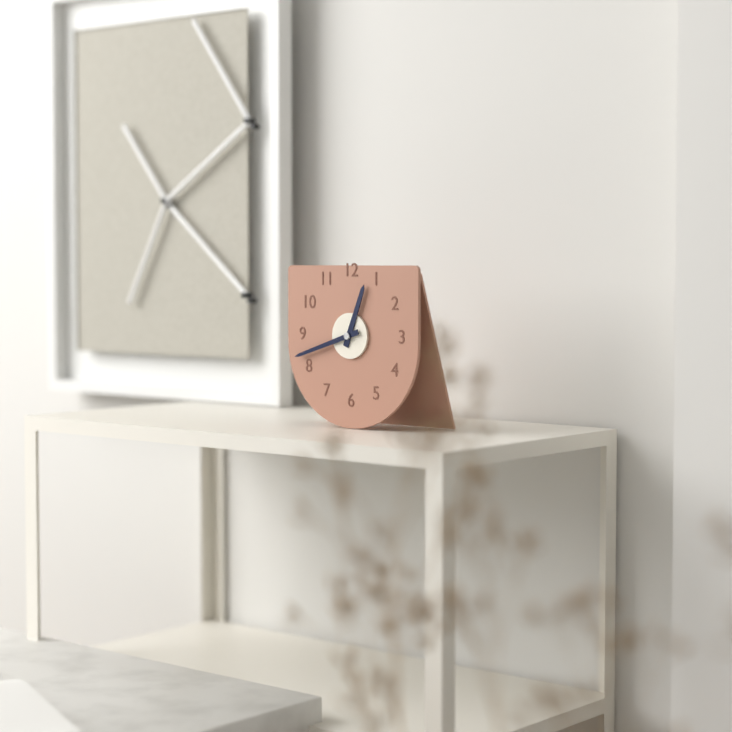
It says 12:42
